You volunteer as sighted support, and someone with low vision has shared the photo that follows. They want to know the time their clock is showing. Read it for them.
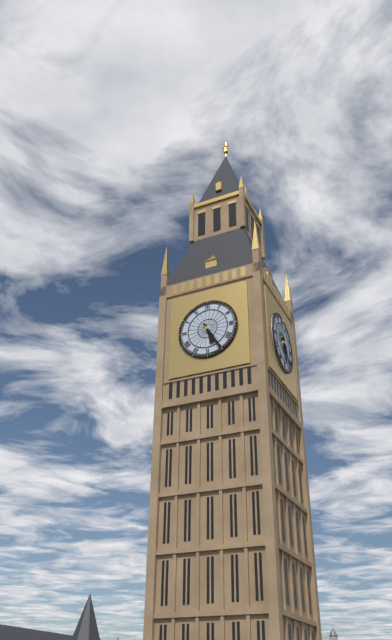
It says 5:25
